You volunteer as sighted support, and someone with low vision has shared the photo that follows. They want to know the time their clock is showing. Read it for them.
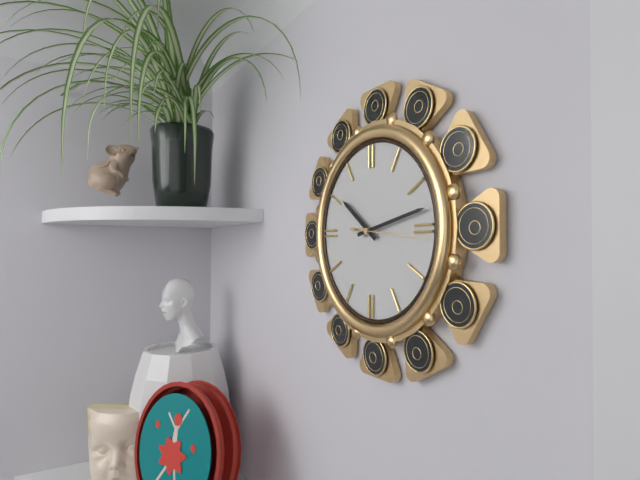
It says 10:13:16
